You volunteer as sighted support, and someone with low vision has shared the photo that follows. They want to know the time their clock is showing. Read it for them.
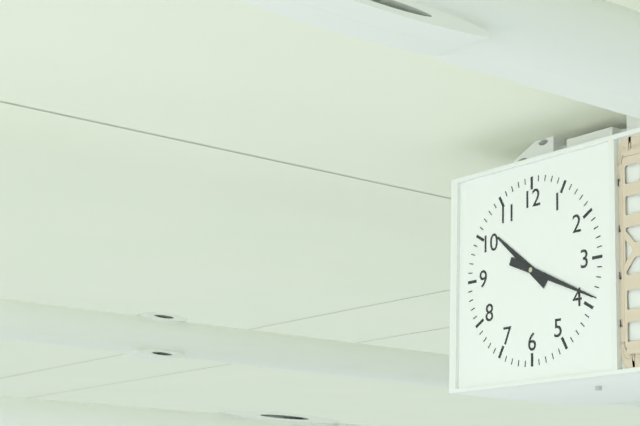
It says 10:19
